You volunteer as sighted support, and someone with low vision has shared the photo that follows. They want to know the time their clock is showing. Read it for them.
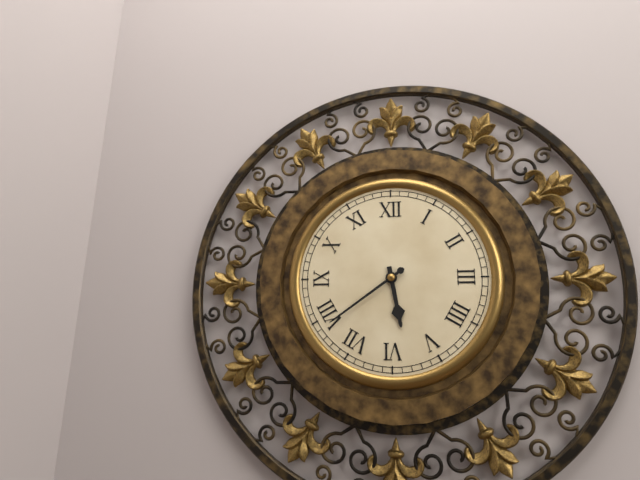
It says 5:39
